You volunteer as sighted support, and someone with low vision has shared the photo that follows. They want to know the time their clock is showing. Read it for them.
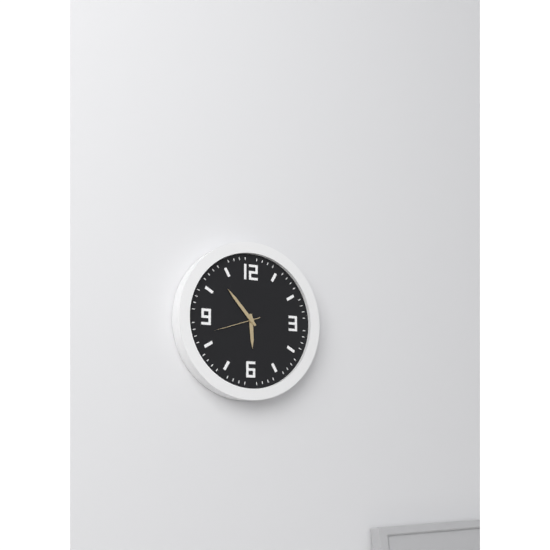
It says 5:53
